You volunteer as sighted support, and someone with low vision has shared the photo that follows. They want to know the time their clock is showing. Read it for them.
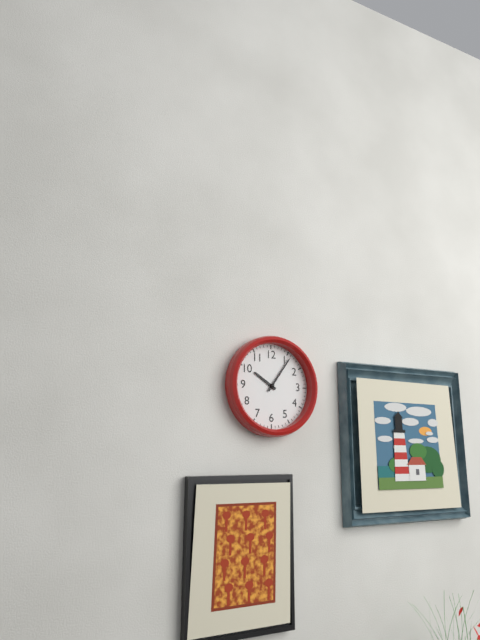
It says 10:06
